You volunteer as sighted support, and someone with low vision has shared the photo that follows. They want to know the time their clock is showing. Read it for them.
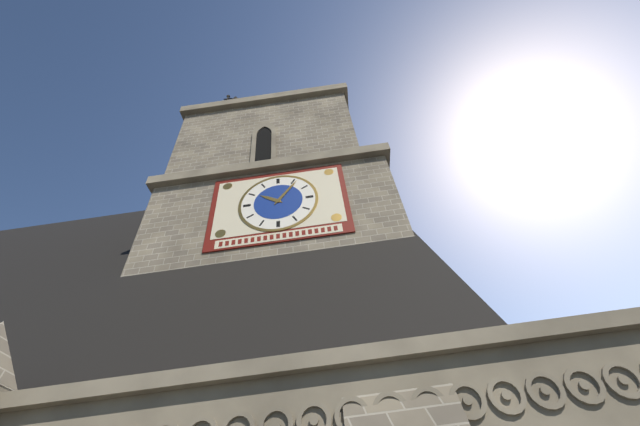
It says 10:06
